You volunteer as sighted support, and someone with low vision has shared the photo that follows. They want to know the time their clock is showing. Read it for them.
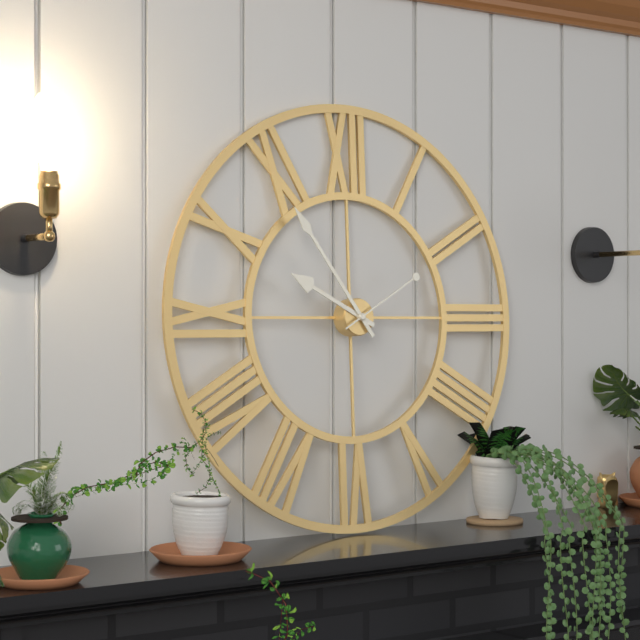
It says 9:54:10
